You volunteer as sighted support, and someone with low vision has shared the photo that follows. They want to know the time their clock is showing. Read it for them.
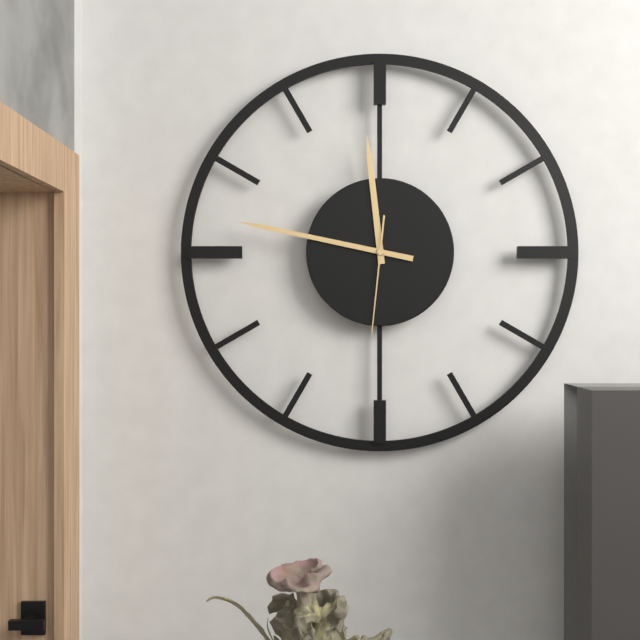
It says 11:47:31
